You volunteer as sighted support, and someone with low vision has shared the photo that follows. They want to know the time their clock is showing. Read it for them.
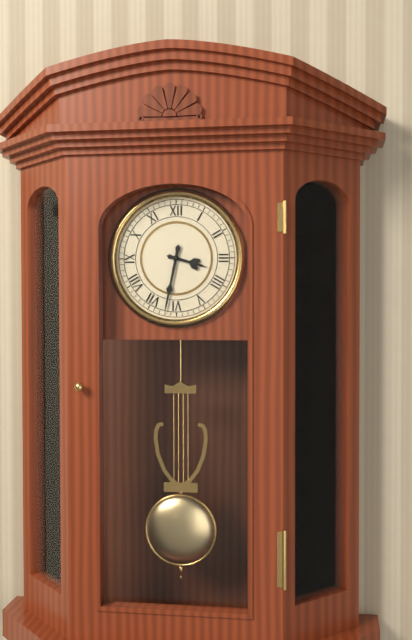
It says 3:32
